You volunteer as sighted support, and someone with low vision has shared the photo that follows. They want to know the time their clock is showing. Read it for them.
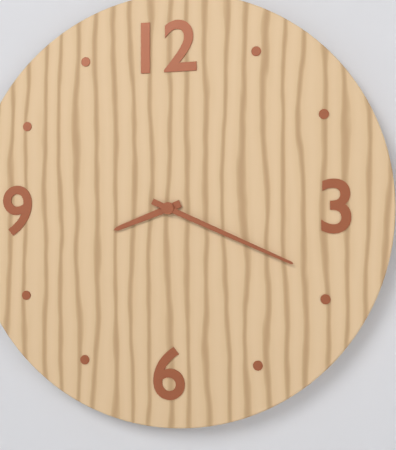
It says 8:19
